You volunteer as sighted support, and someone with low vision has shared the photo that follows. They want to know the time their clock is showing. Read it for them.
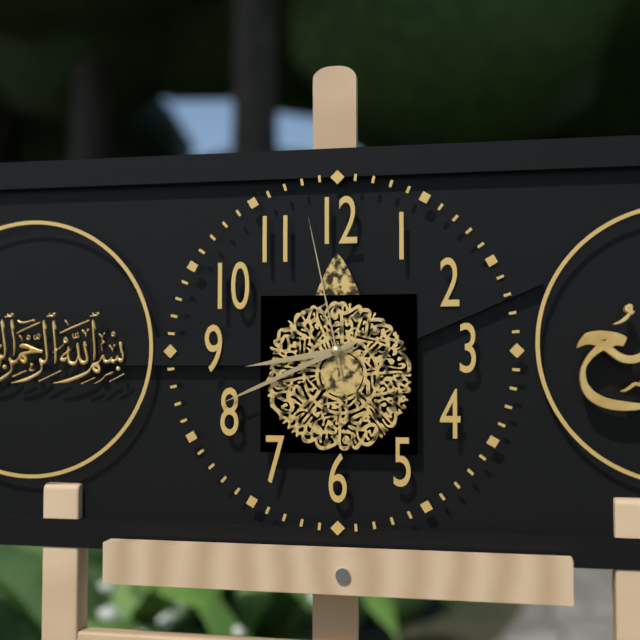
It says 8:41:58
